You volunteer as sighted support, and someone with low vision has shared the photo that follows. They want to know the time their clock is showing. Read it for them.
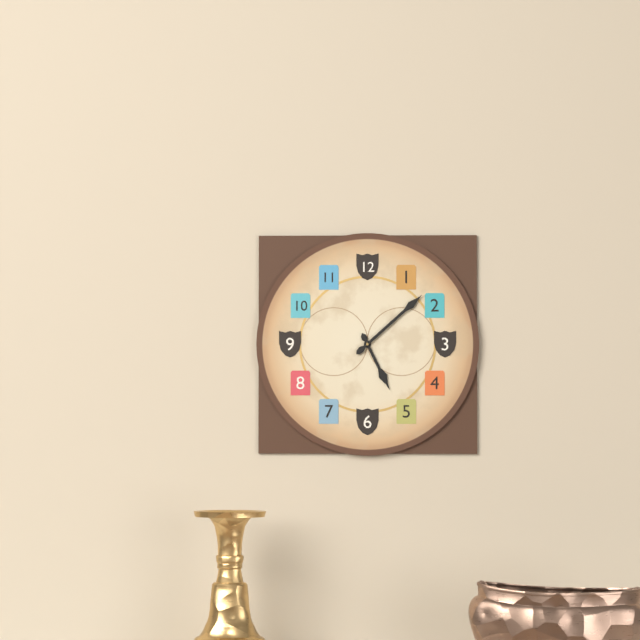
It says 5:08
